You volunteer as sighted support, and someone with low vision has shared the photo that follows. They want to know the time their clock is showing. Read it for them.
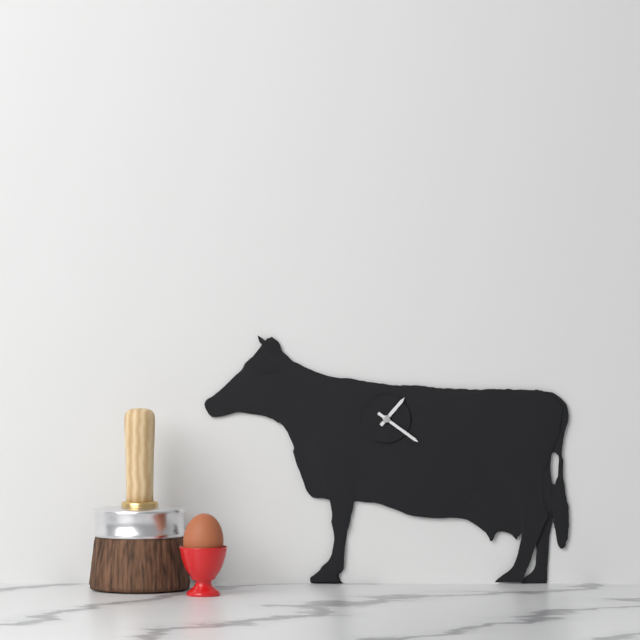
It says 1:21
